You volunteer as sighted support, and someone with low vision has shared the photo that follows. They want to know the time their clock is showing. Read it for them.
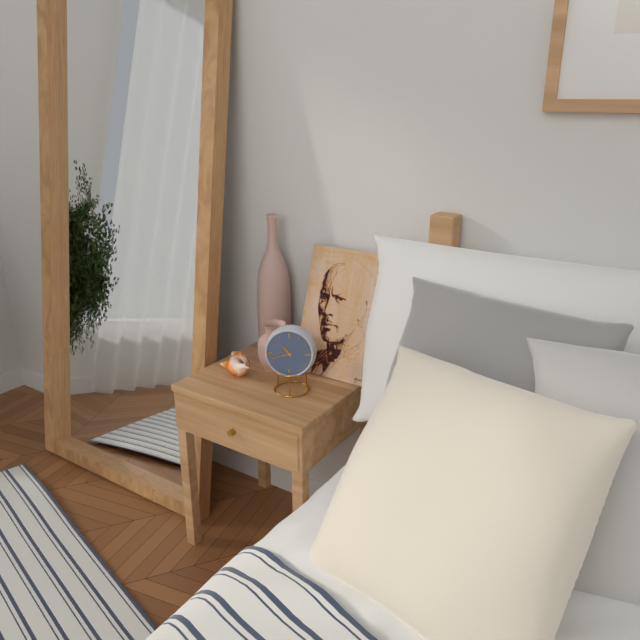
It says 10:42
